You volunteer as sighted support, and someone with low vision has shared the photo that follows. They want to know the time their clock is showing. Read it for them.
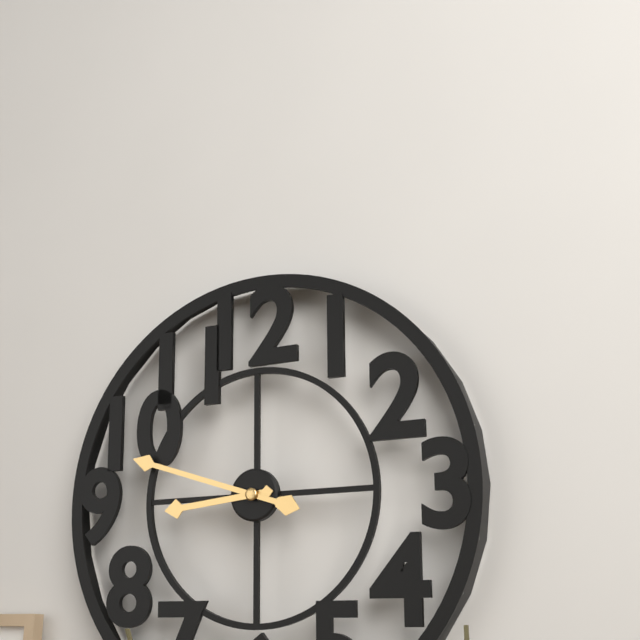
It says 8:48
